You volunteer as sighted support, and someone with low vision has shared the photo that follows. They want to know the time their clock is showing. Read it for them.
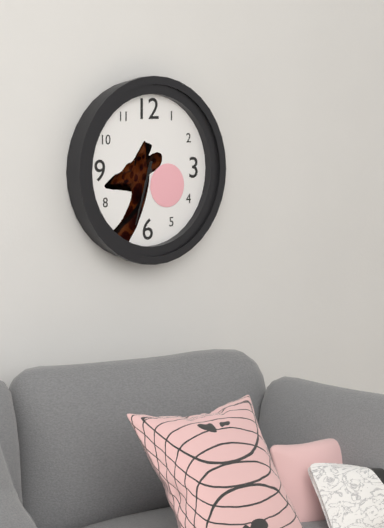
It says 6:33
